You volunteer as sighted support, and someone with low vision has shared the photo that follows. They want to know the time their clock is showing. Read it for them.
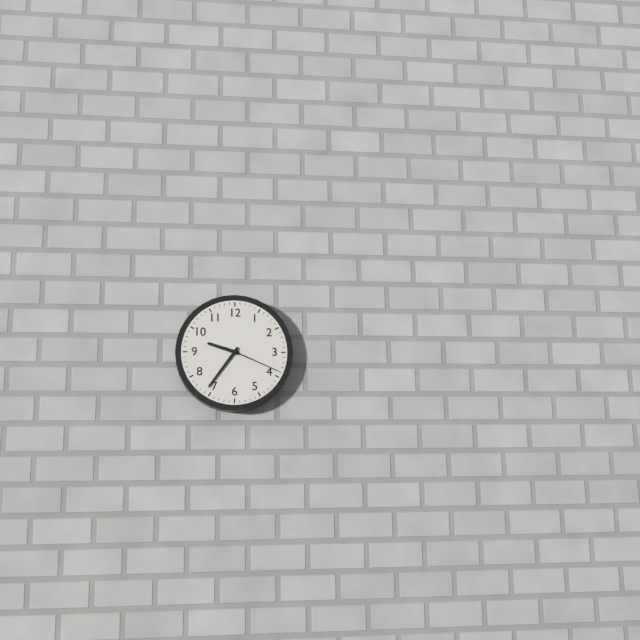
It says 9:36:19
